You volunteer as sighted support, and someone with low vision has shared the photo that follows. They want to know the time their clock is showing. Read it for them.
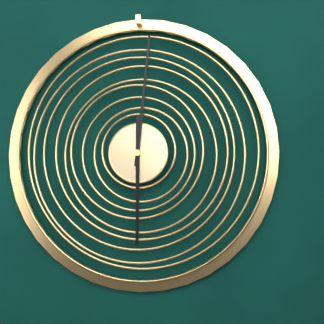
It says 6:01
